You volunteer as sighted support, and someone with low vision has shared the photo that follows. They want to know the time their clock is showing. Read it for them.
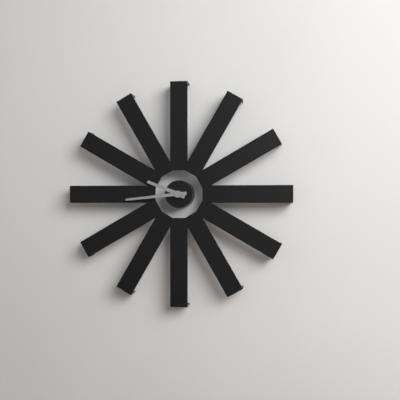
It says 9:44
